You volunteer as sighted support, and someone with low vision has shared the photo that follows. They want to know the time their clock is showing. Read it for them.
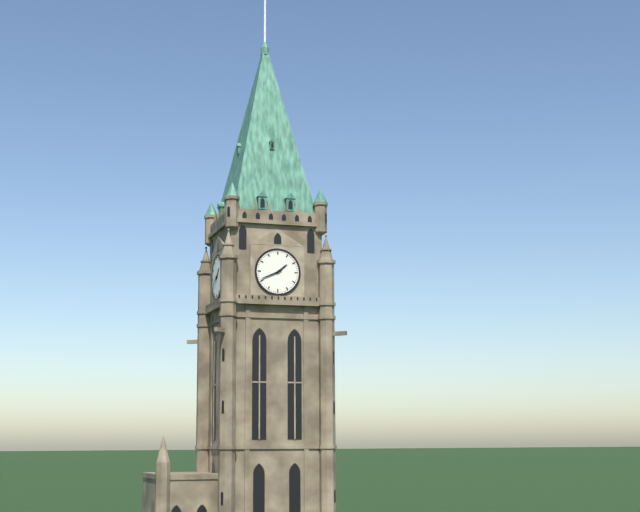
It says 1:41
